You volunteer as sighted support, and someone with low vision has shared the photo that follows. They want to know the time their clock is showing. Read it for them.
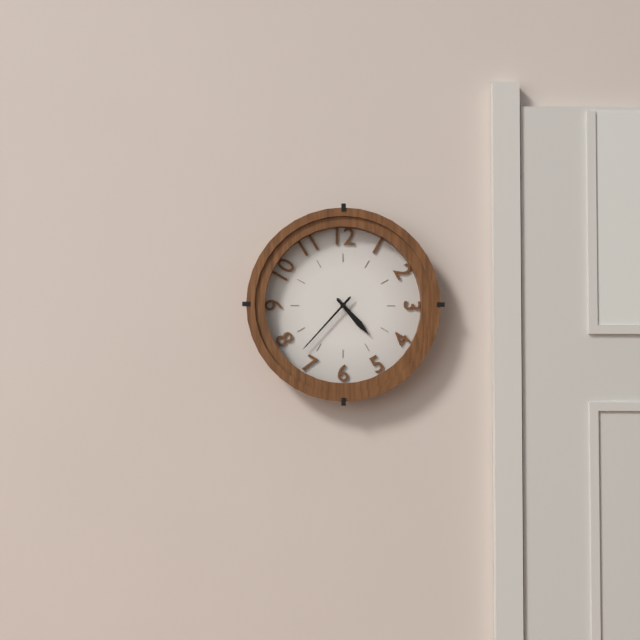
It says 4:37
